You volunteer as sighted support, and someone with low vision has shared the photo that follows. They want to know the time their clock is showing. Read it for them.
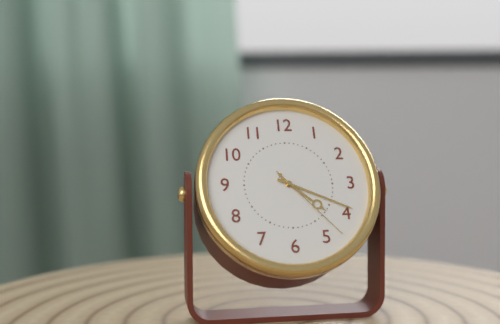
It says 4:19:23
